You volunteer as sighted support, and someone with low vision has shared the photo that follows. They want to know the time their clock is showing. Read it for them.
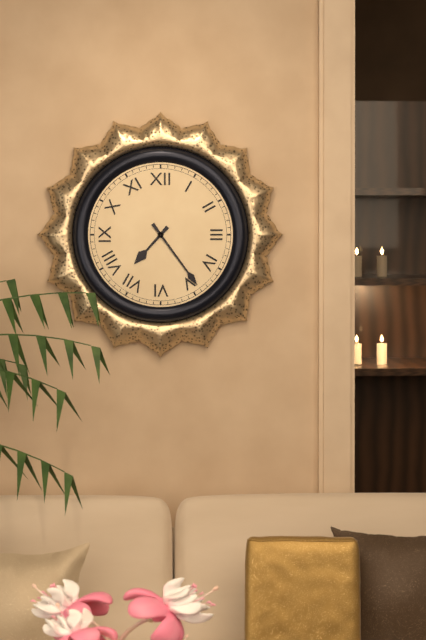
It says 7:24
